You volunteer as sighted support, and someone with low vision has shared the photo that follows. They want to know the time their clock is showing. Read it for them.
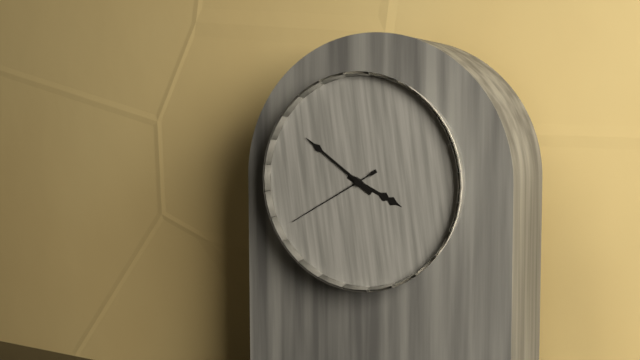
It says 3:51:40
